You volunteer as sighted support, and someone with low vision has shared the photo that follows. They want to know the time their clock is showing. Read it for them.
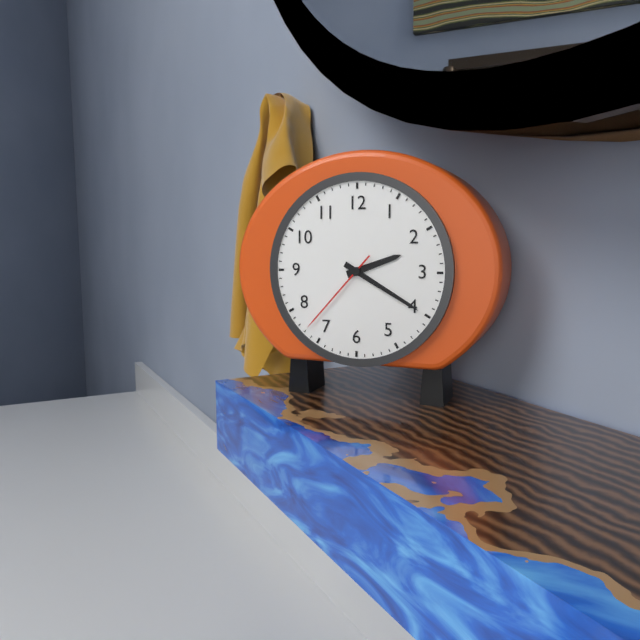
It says 2:20:37
